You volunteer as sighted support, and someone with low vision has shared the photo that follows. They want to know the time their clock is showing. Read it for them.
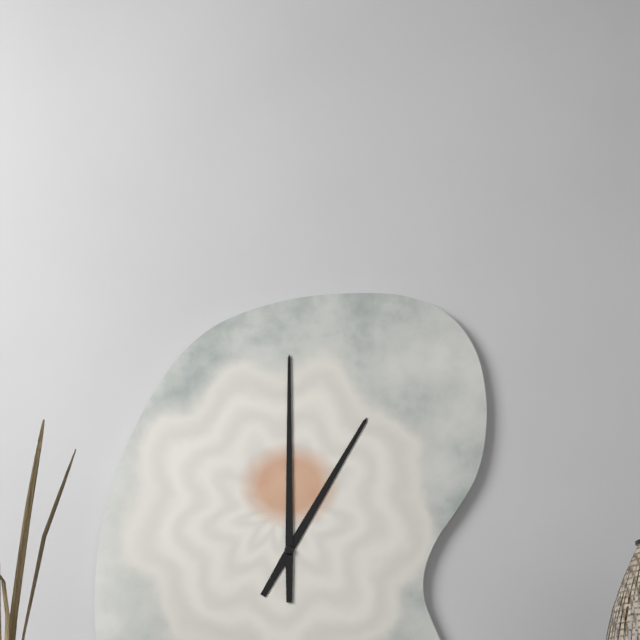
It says 1:00
